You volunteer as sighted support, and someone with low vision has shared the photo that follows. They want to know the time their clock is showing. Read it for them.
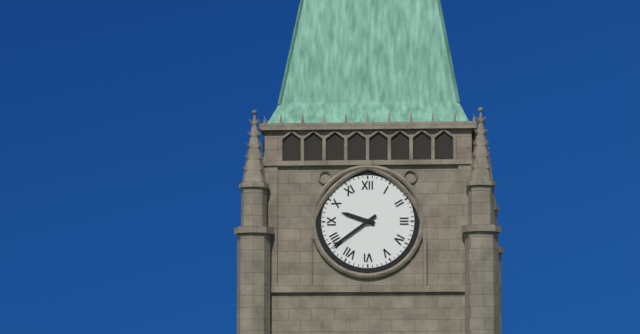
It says 9:39
